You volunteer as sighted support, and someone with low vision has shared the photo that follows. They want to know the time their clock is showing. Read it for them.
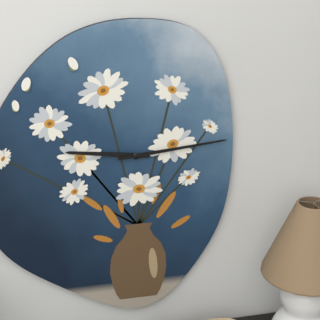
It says 9:14
